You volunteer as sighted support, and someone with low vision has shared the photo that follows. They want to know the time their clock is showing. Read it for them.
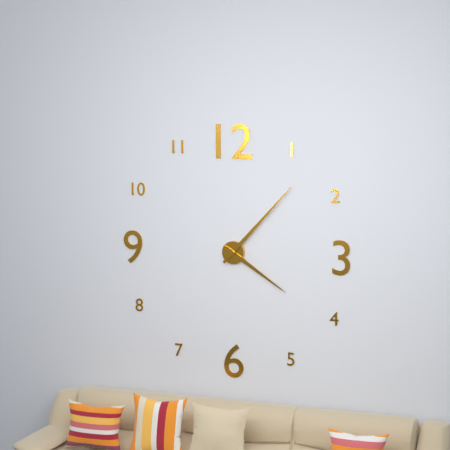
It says 4:07
